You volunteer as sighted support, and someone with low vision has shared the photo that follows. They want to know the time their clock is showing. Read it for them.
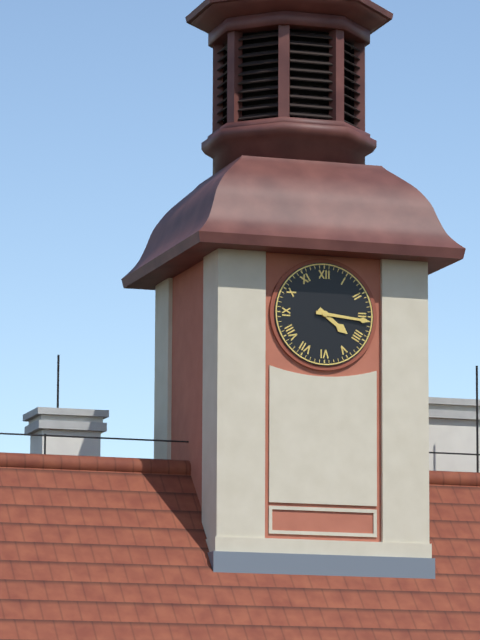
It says 4:16
